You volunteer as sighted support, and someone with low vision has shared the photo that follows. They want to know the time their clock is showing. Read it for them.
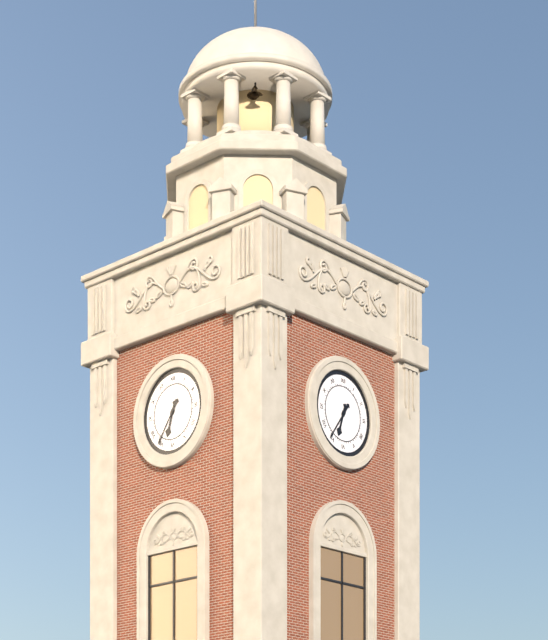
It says 6:36
